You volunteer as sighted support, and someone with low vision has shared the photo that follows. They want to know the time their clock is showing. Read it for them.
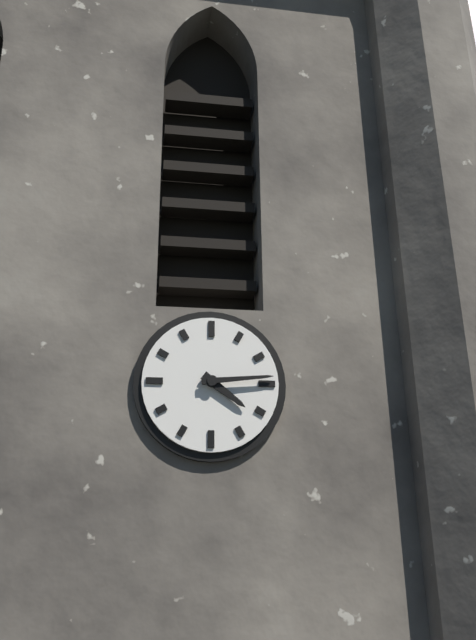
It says 4:14
